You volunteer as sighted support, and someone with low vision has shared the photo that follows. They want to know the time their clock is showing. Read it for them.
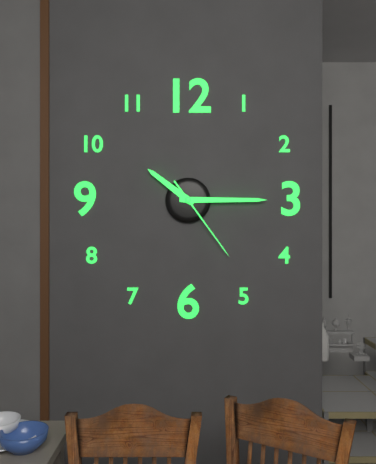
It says 10:15:24
